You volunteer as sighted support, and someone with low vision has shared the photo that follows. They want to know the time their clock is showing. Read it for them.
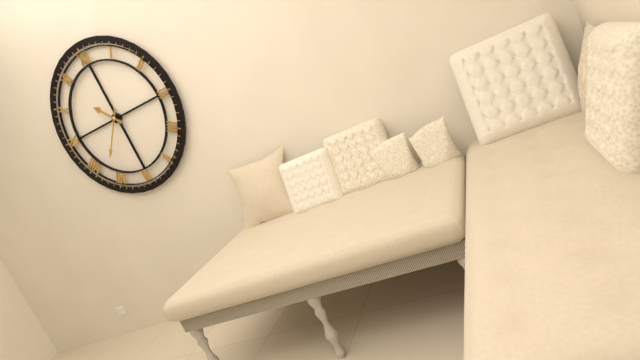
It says 10:37
